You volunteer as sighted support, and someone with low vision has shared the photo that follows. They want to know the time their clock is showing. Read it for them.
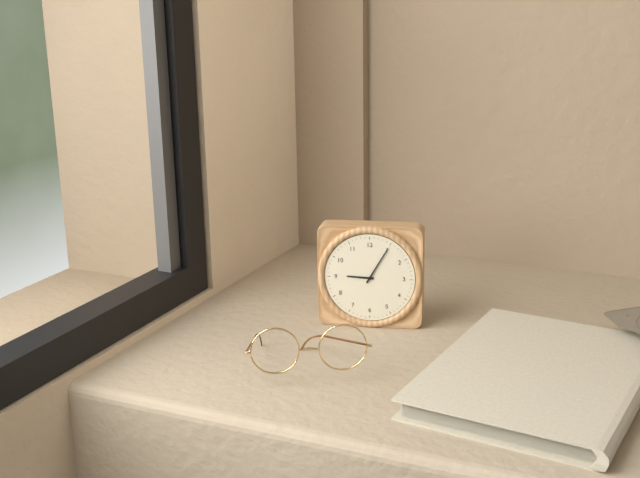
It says 9:05
